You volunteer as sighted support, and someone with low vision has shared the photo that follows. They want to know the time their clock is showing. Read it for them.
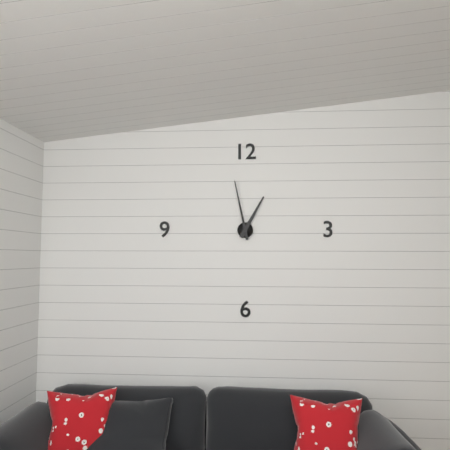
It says 12:58
